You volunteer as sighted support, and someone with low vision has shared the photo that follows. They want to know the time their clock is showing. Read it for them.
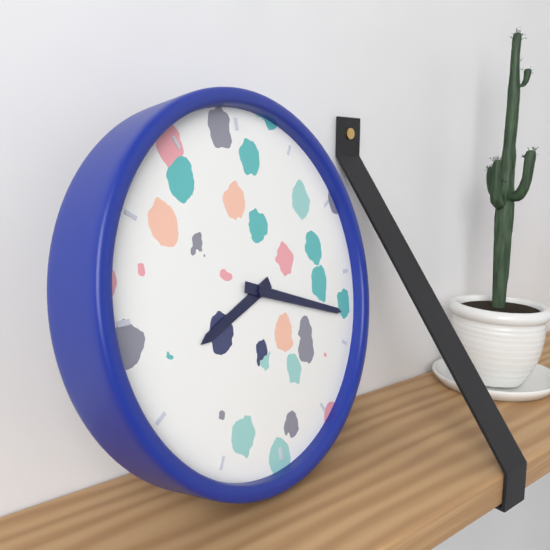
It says 8:18
